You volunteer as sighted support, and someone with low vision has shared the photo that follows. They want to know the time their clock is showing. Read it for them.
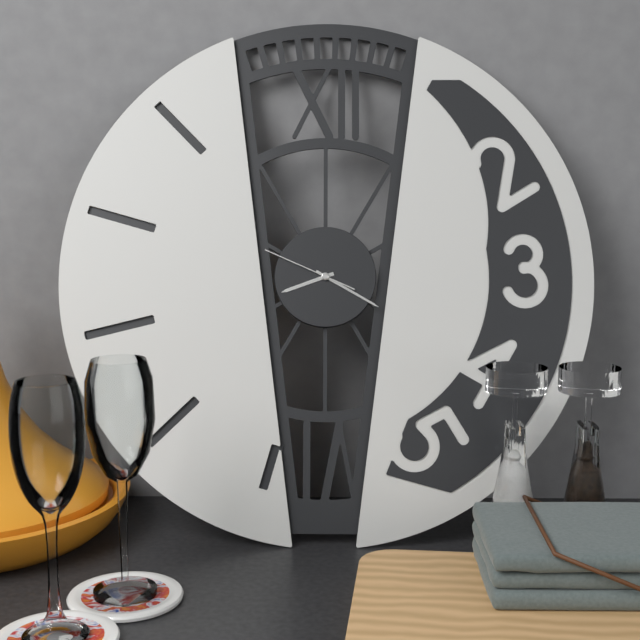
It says 8:20:49
